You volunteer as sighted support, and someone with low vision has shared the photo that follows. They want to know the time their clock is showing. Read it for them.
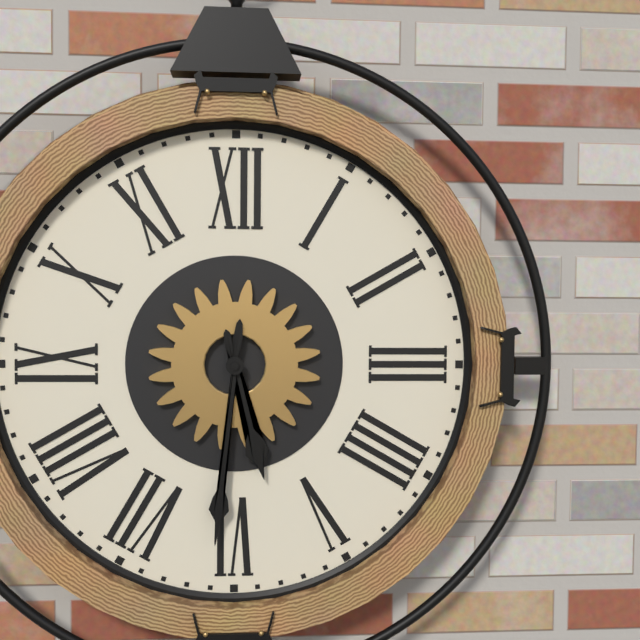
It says 5:31
